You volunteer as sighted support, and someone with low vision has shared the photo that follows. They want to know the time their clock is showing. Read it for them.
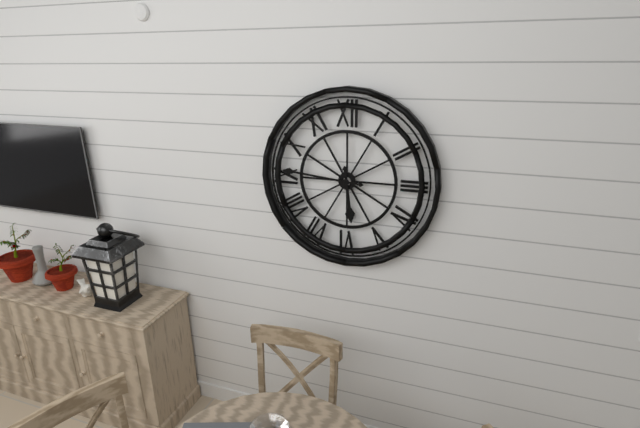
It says 5:46
